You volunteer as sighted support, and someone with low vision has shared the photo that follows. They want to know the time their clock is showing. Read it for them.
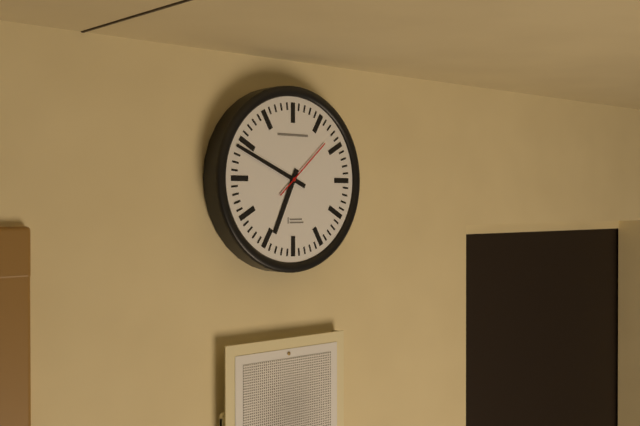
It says 6:49:08
